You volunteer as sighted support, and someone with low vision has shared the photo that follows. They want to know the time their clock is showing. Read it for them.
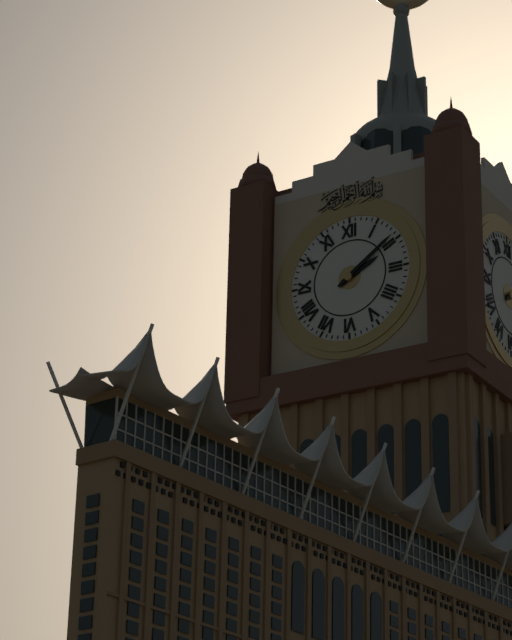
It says 2:09
